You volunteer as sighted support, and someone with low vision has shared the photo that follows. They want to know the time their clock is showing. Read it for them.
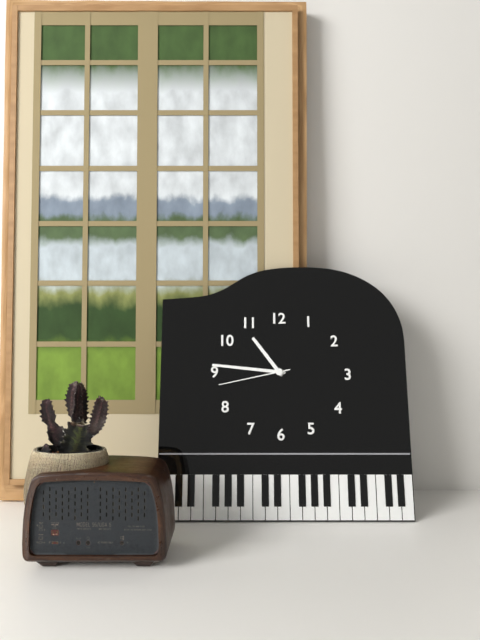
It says 10:46:43
